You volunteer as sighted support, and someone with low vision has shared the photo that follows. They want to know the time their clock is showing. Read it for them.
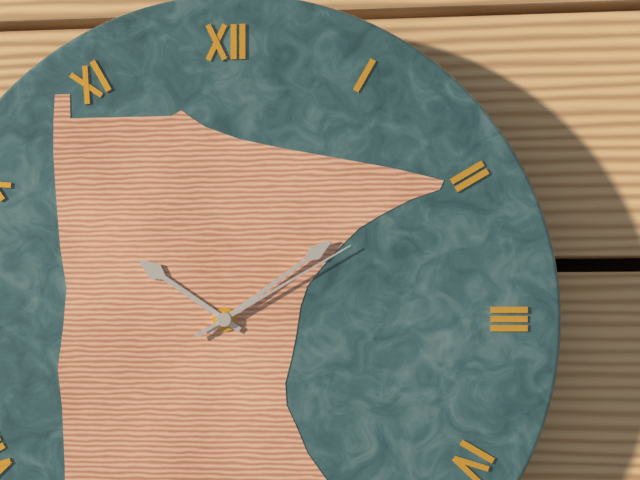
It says 10:09:10
